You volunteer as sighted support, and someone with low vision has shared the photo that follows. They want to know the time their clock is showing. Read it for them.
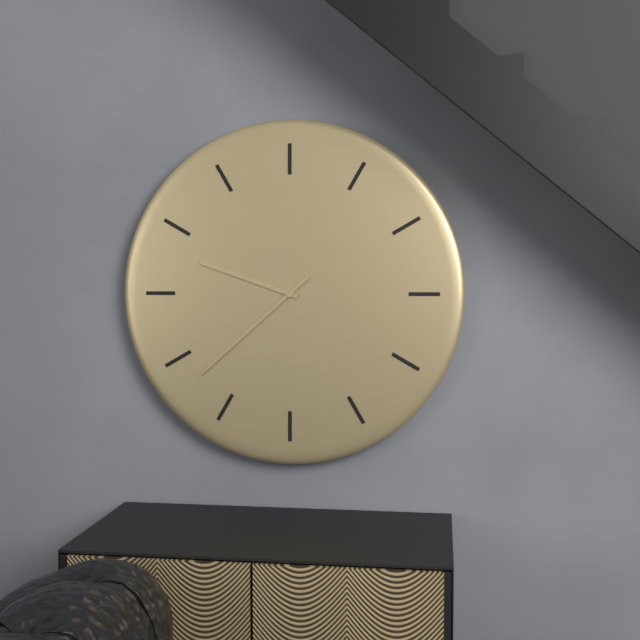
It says 9:38
